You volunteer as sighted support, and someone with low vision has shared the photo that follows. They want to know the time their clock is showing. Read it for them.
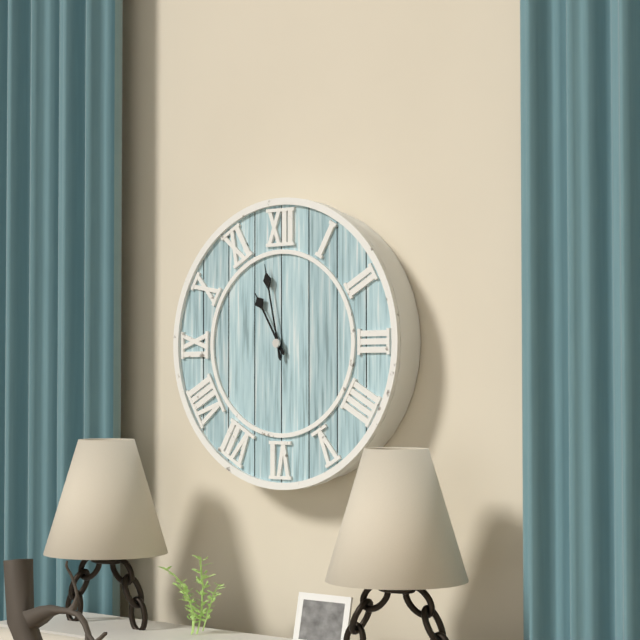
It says 10:58
